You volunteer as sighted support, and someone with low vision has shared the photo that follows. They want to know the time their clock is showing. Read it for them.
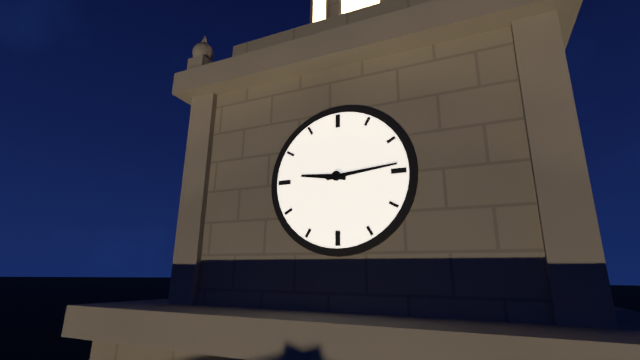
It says 9:14
